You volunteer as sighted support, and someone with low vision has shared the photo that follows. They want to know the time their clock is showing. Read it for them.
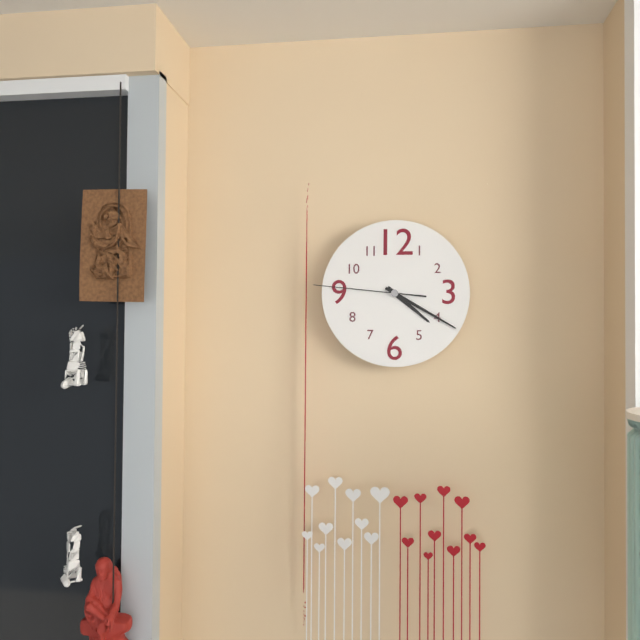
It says 4:20:46
